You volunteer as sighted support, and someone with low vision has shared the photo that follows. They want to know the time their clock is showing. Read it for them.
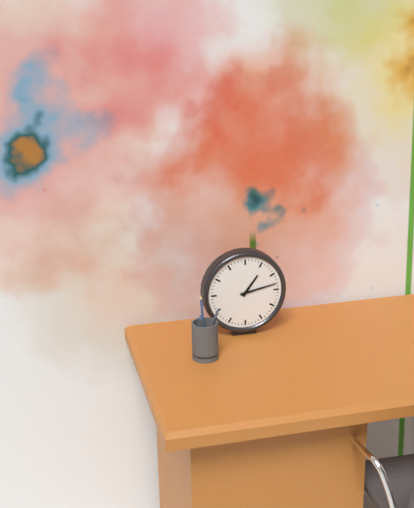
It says 1:13
